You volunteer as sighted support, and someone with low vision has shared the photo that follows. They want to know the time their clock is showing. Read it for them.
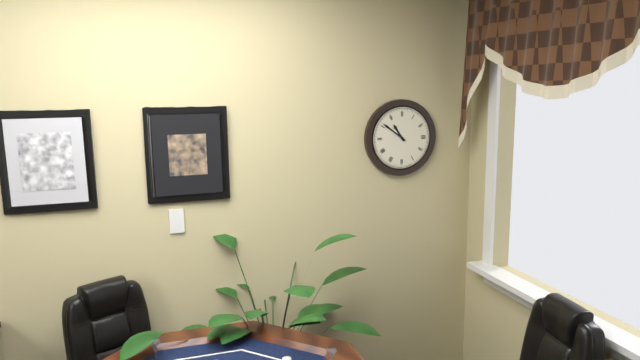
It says 10:51
